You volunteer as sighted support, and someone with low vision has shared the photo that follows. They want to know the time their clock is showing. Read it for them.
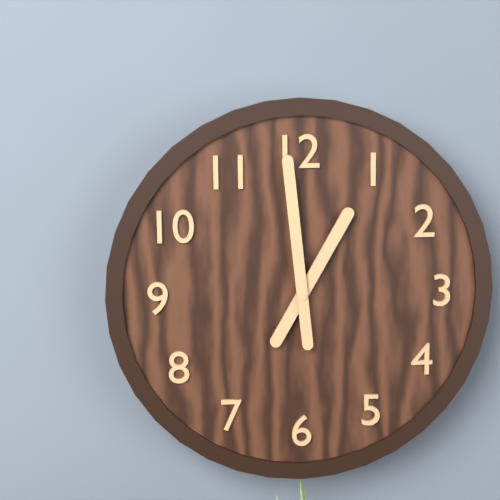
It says 12:59
